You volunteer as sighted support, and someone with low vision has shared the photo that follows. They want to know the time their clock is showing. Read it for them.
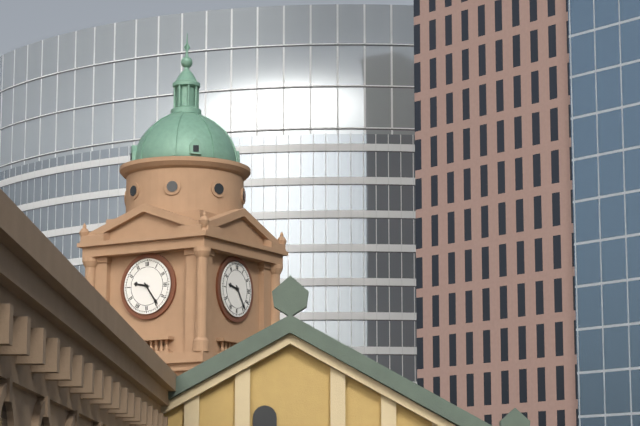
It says 9:24
